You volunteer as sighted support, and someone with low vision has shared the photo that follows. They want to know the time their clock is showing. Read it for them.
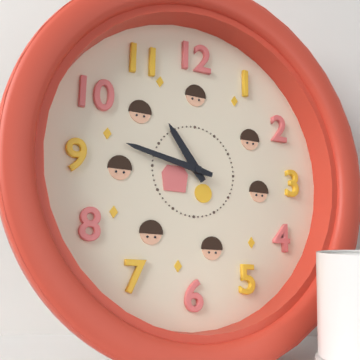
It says 10:47
